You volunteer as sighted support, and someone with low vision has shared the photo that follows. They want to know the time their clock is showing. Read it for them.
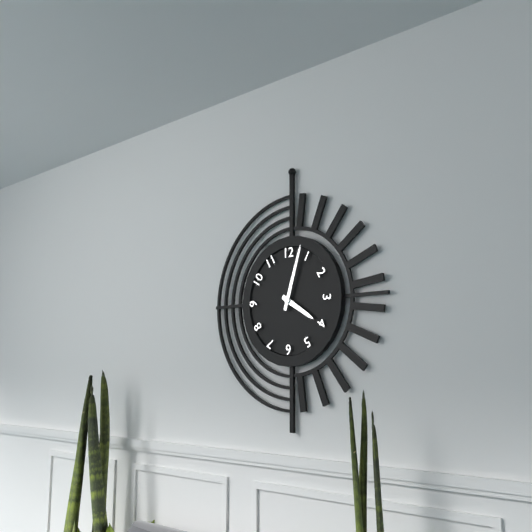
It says 4:03
